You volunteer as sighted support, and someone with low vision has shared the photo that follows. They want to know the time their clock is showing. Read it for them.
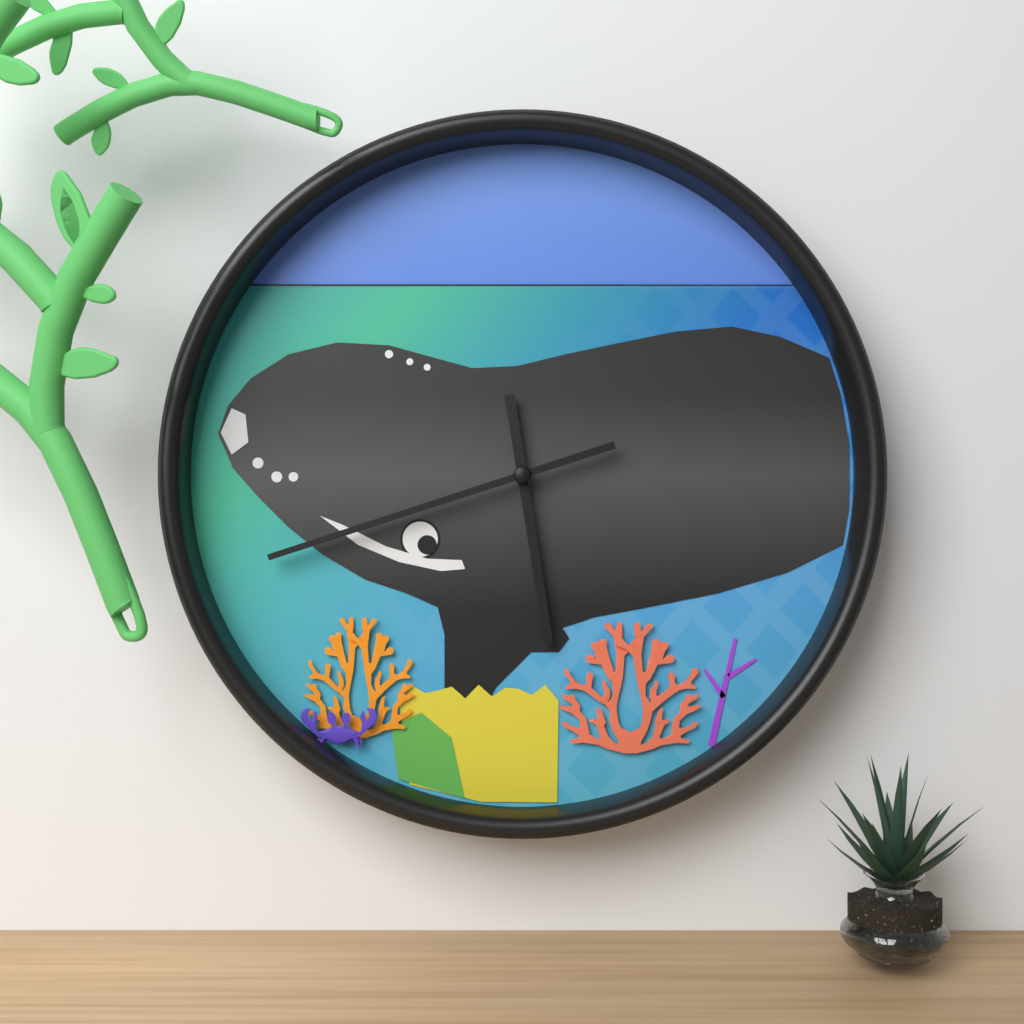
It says 5:42
